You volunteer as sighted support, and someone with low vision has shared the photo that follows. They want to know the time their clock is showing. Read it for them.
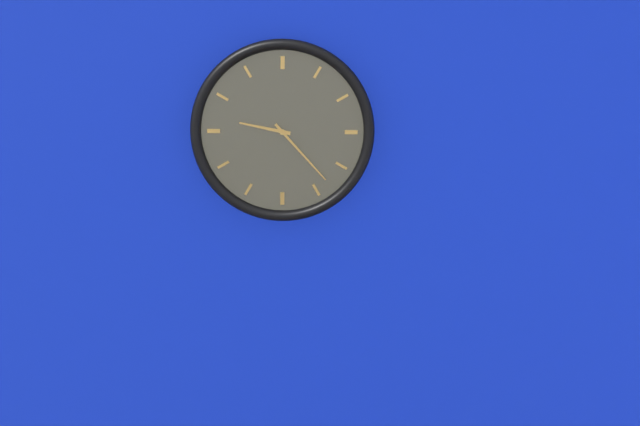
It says 9:23
